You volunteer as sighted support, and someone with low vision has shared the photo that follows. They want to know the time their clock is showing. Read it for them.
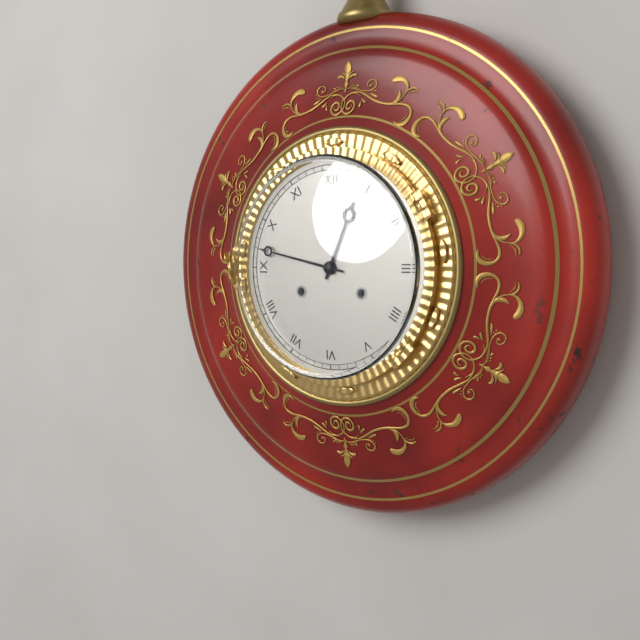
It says 12:47
